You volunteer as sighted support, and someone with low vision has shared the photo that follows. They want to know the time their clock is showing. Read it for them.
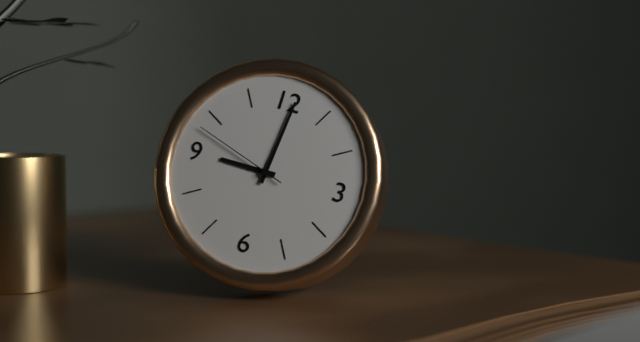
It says 9:01:48
